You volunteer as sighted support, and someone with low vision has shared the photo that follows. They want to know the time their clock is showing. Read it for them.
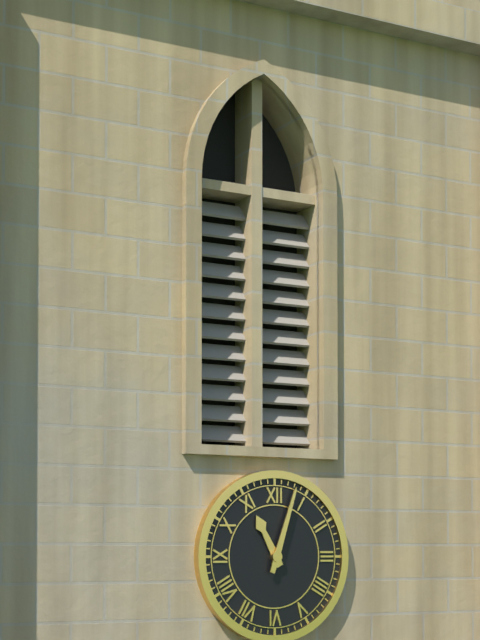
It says 11:03
